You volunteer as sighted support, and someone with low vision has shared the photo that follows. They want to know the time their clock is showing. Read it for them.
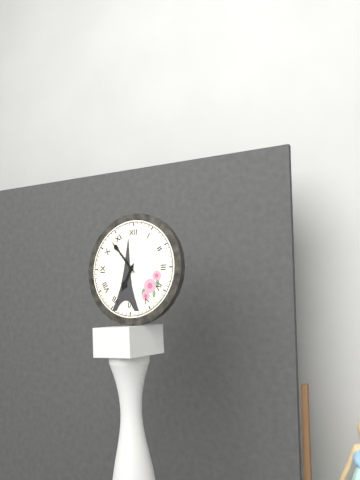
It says 6:53
